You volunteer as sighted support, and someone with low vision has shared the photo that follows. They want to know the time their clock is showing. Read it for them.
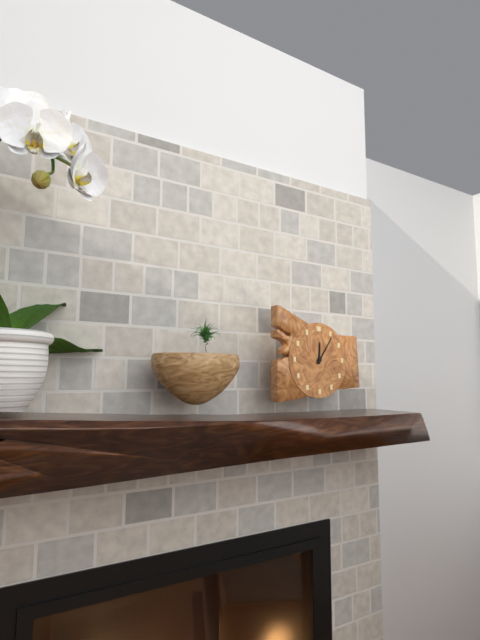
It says 12:06
